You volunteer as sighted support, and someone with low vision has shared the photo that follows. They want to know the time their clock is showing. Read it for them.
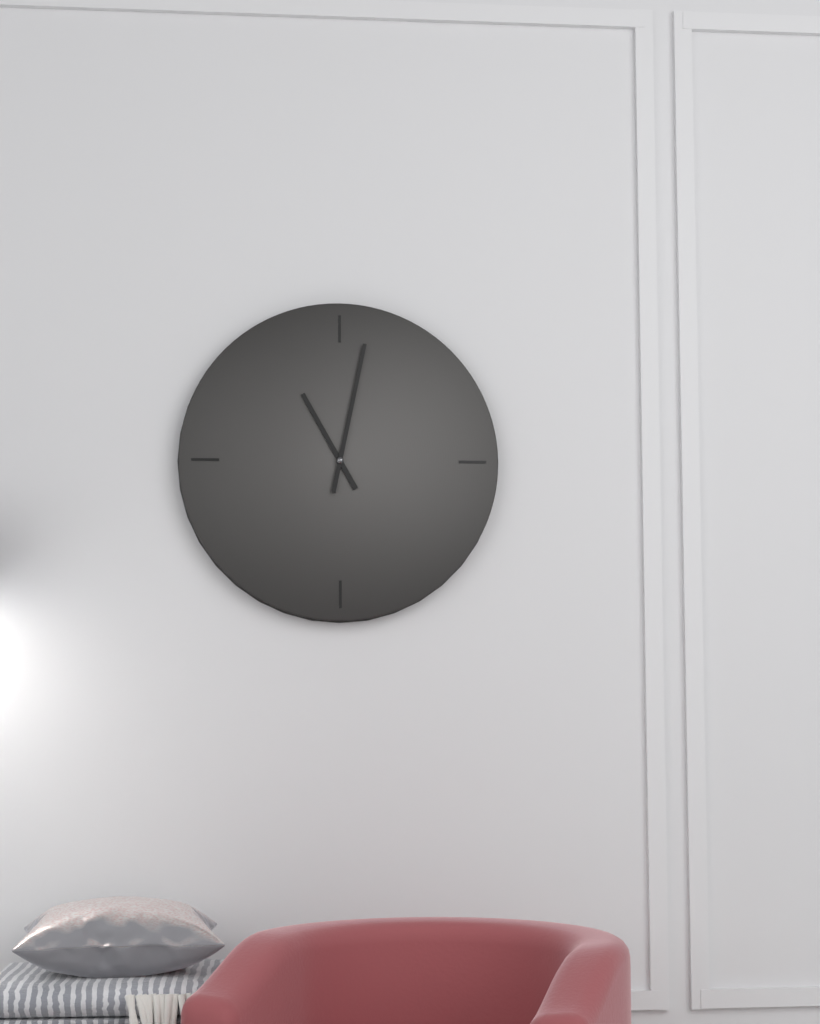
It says 11:02
